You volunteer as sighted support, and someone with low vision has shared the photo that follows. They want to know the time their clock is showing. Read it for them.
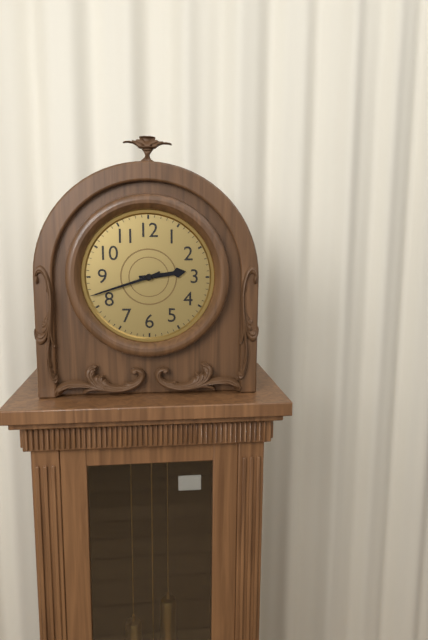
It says 2:42
